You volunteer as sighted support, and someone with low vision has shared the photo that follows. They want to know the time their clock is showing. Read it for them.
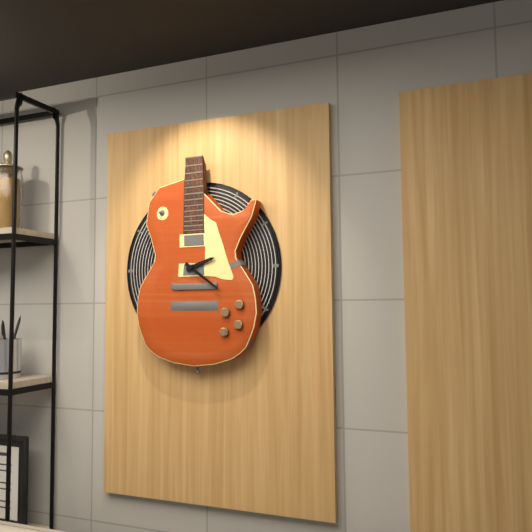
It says 2:21
